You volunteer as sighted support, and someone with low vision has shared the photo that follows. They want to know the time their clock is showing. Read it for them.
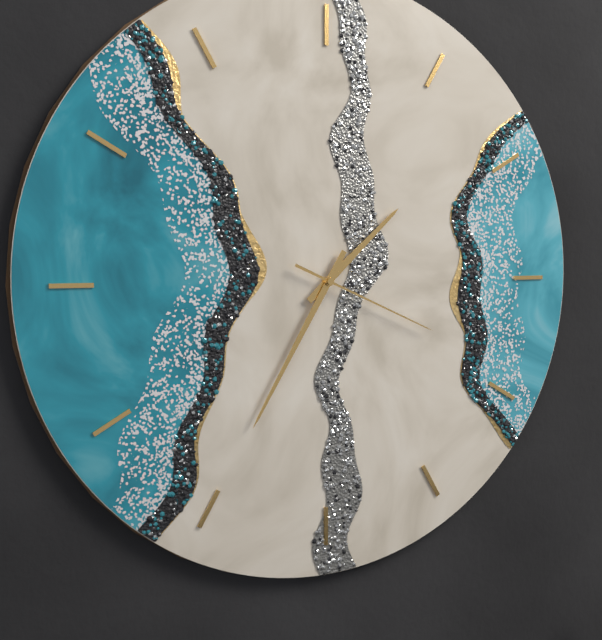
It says 1:35:19
